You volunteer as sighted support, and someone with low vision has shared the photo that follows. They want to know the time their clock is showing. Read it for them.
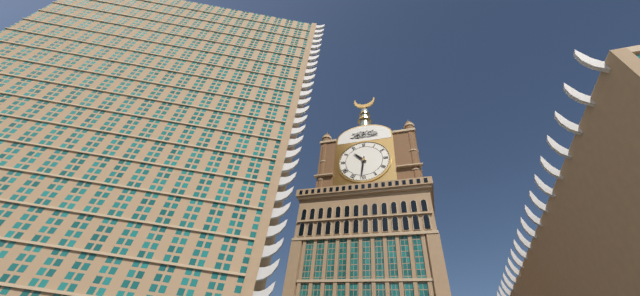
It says 10:31
